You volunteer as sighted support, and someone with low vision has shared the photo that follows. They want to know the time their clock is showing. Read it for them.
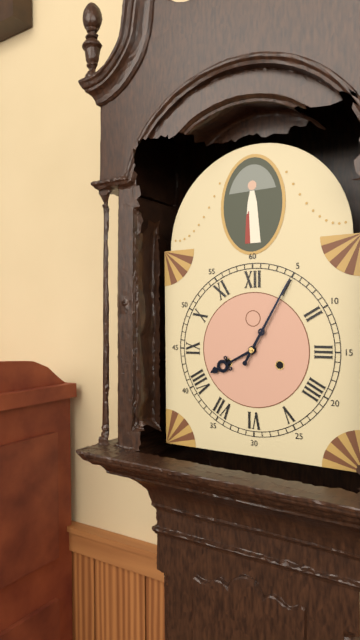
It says 8:05
